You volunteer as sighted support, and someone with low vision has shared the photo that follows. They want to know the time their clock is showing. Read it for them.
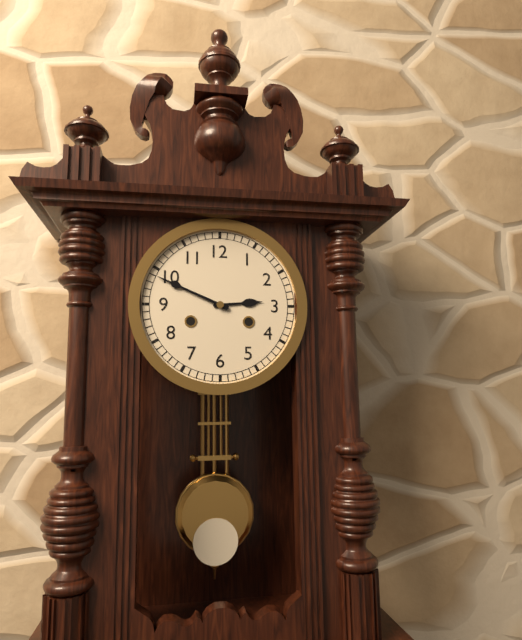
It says 2:49
